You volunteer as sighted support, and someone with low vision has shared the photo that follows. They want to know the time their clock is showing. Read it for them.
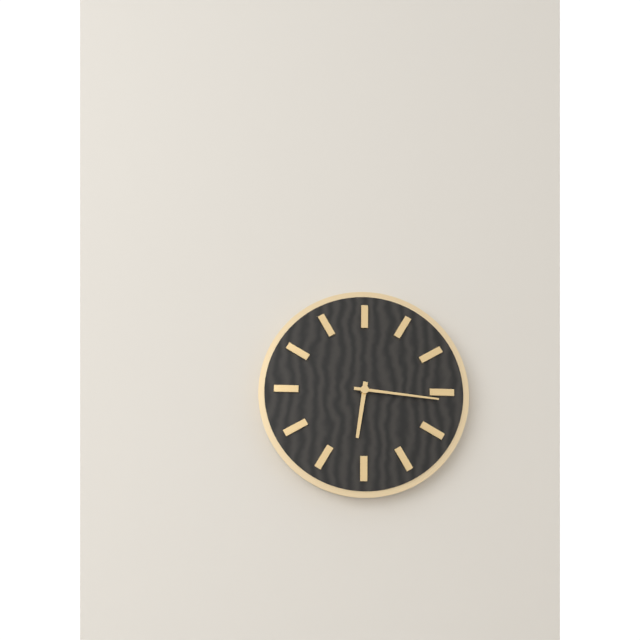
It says 6:16
